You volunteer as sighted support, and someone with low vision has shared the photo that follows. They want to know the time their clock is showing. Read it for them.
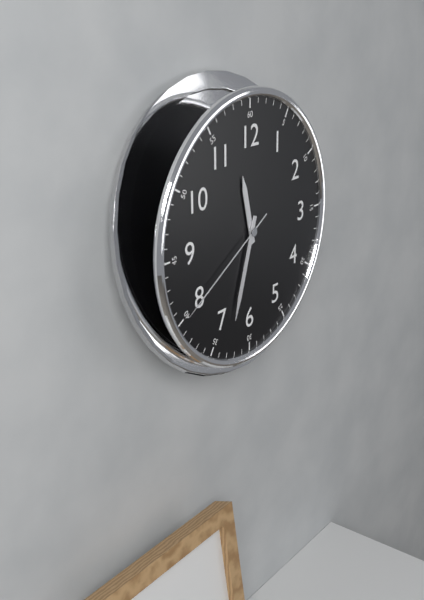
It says 11:33:40
